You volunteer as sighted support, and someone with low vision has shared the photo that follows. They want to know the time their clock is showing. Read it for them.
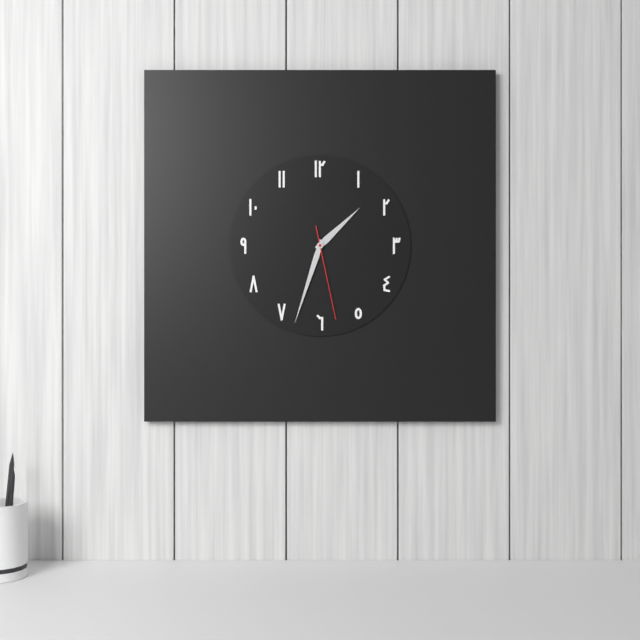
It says 1:33:28
